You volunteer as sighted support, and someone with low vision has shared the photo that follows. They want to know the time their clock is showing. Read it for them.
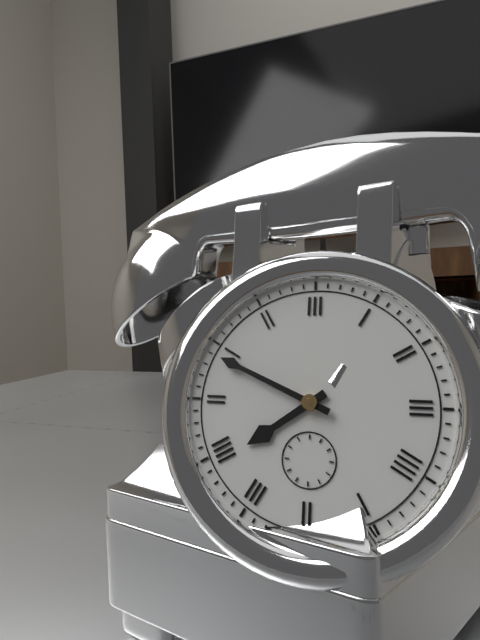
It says 7:49
